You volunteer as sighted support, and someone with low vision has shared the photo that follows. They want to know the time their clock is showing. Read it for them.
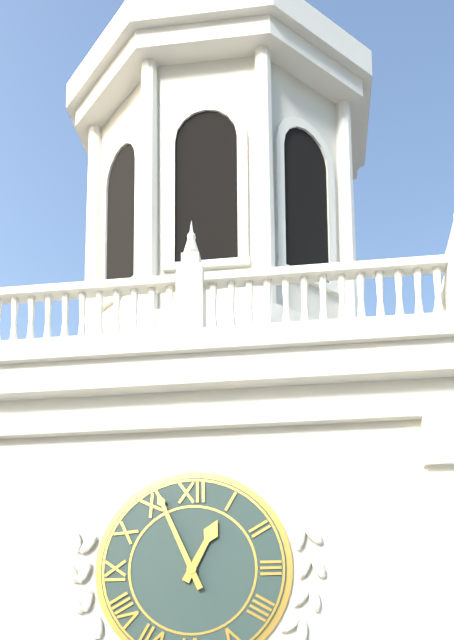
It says 12:56
